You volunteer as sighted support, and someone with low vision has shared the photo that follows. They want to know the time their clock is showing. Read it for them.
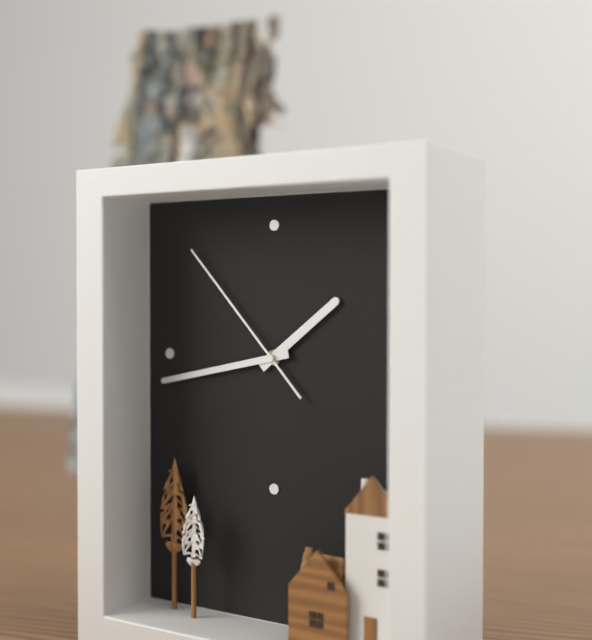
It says 1:43:53
